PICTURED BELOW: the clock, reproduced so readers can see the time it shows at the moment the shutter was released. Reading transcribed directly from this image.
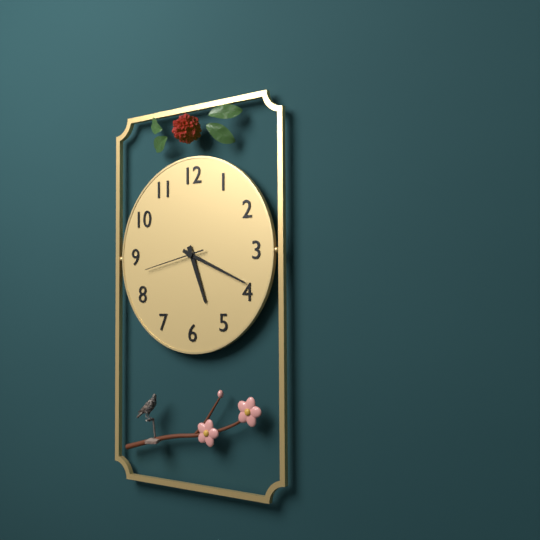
5:19:43
